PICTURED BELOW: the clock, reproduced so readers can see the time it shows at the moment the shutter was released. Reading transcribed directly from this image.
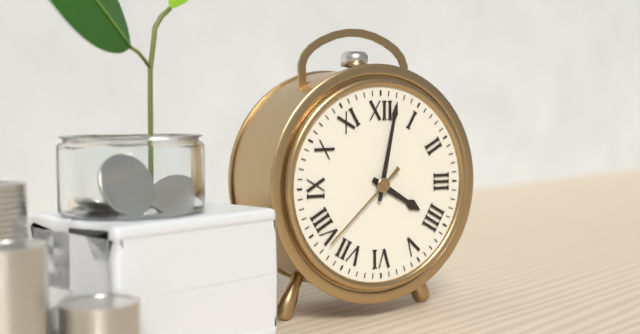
4:02:38
